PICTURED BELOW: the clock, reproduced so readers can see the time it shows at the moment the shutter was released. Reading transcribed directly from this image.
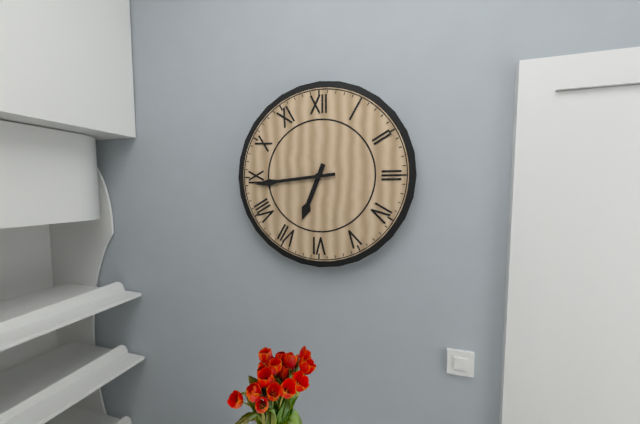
6:44
